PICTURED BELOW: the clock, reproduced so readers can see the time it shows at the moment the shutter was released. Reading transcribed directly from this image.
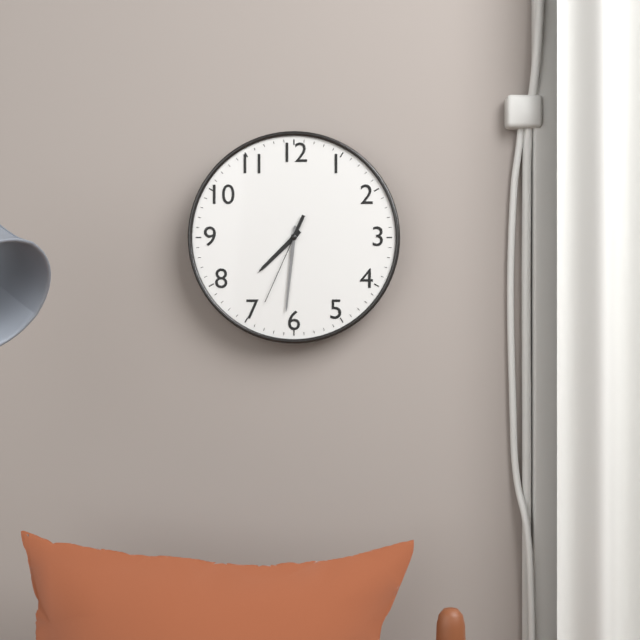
7:31:34
